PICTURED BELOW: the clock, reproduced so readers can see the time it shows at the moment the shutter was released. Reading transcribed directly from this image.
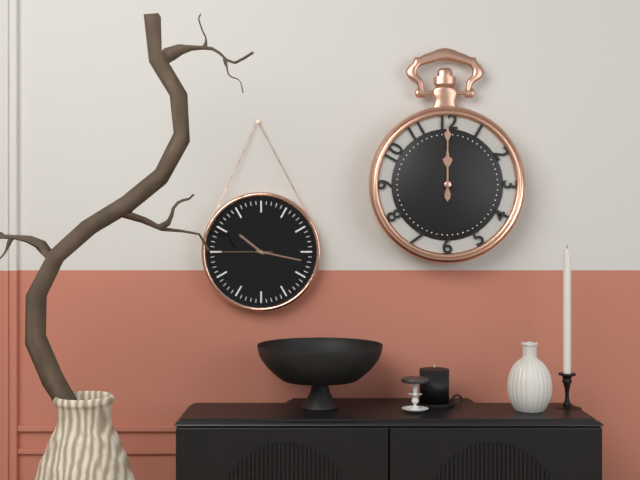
12:00
